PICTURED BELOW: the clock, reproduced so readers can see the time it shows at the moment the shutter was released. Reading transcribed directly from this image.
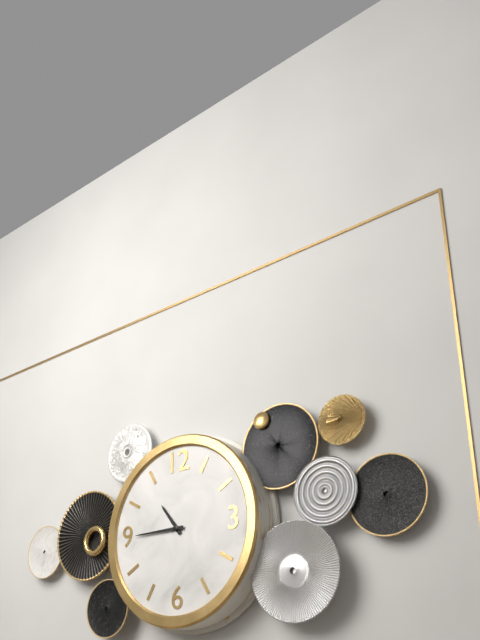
10:45
